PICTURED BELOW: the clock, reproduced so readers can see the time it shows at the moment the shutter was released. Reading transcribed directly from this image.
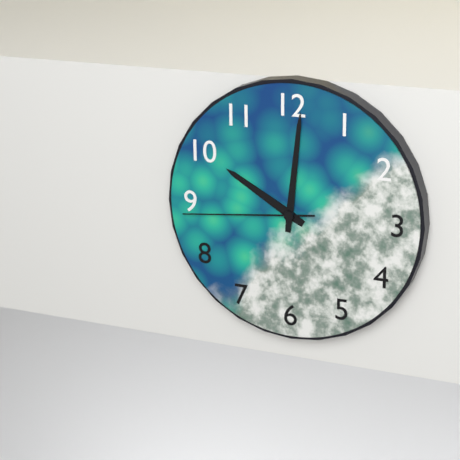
10:01:44
